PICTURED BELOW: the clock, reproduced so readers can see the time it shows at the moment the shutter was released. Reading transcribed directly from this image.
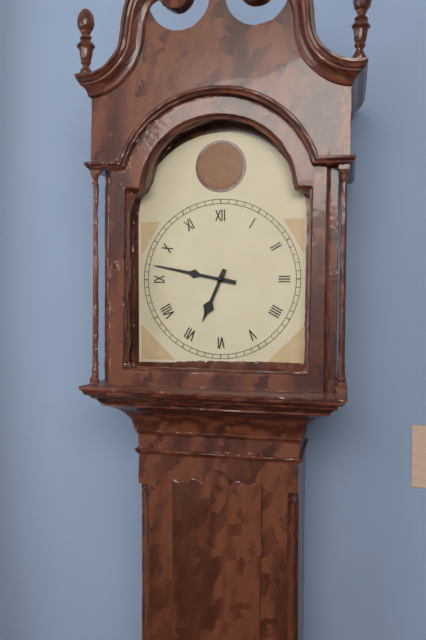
6:47
